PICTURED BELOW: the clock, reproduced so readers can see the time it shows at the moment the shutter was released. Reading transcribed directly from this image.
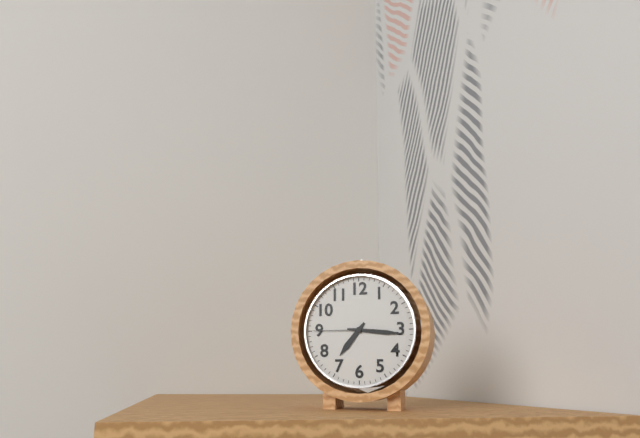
7:16:45
